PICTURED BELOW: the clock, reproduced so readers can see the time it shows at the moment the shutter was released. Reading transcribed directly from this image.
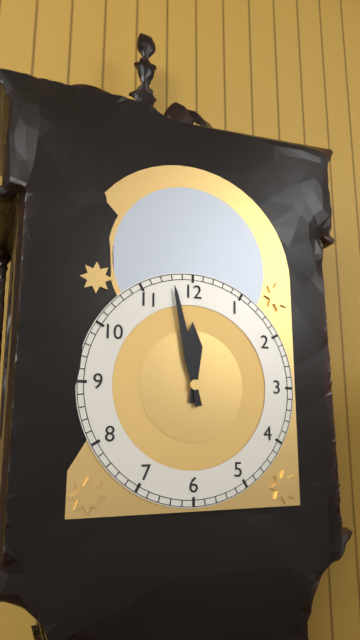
11:58
